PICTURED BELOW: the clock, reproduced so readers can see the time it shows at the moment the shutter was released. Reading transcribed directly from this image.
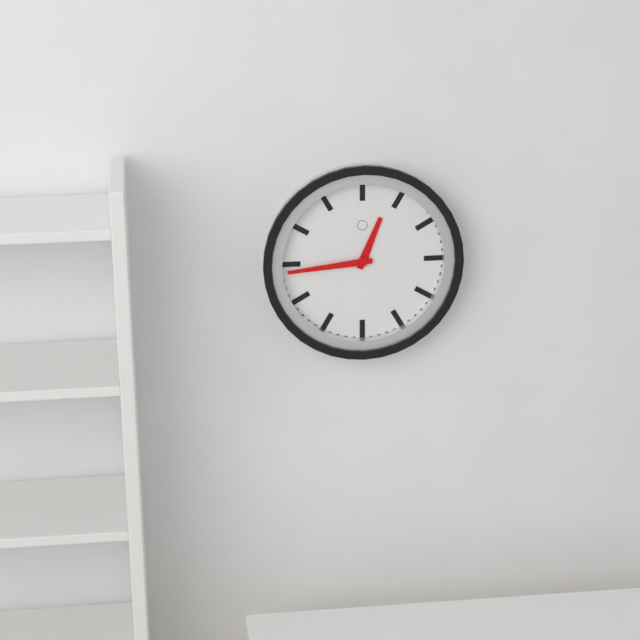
12:44
